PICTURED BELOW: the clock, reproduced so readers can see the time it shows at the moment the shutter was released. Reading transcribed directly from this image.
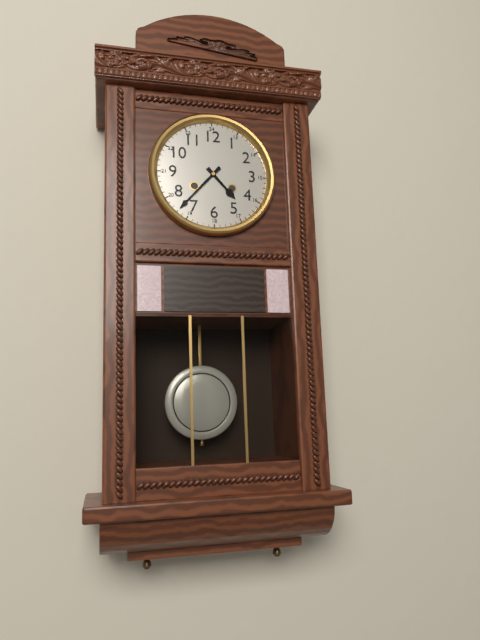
4:37
